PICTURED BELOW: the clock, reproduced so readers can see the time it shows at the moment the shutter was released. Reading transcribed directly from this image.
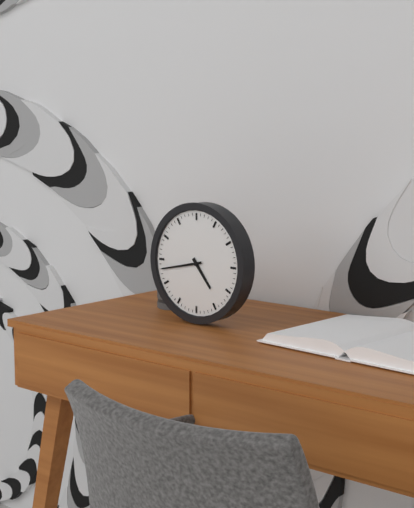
4:43
